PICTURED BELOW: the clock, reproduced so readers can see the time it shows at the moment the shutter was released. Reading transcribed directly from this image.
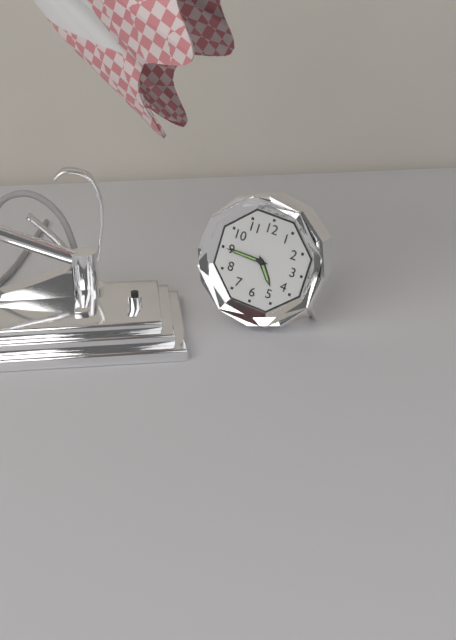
4:45
